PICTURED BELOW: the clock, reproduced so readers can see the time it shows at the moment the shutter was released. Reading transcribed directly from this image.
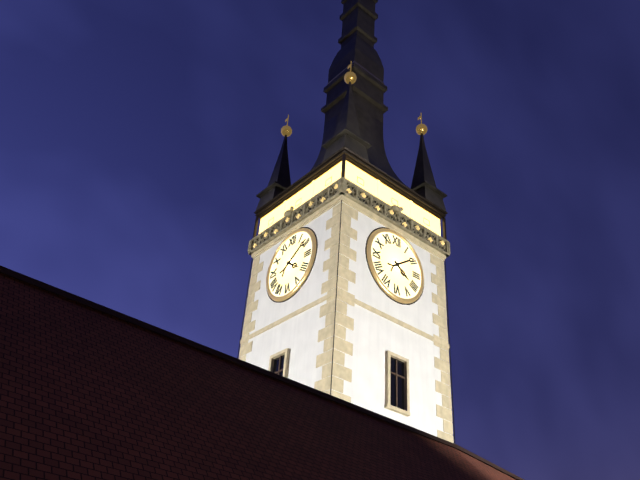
4:09
